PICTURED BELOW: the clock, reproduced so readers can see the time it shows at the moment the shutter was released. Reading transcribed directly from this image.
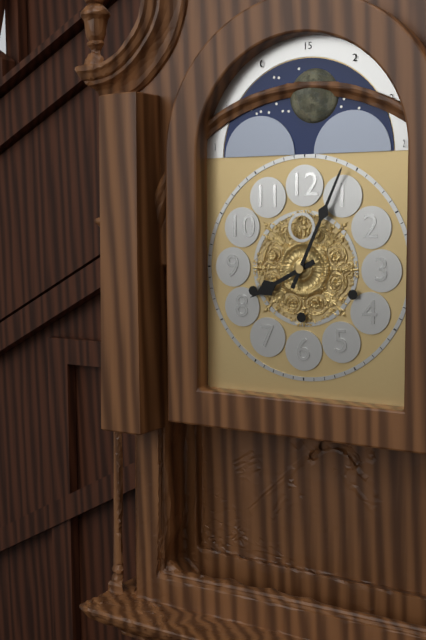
8:04
